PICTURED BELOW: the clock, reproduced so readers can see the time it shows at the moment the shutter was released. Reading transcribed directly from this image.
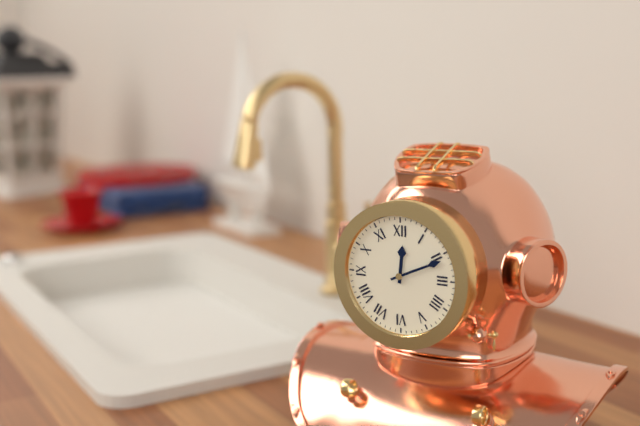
12:11
